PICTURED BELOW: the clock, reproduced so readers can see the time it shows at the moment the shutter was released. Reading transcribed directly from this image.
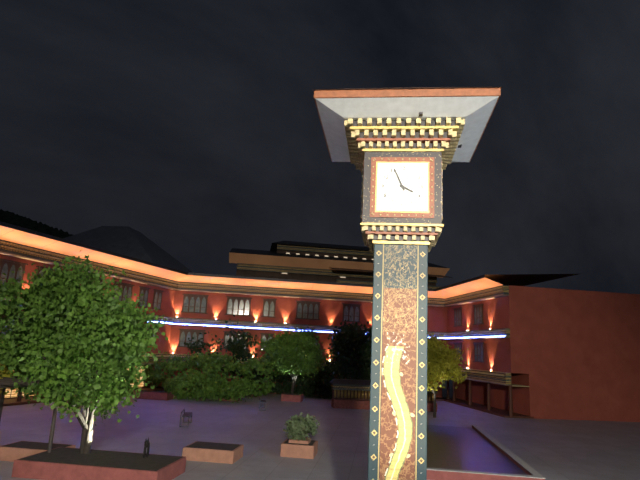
3:56
